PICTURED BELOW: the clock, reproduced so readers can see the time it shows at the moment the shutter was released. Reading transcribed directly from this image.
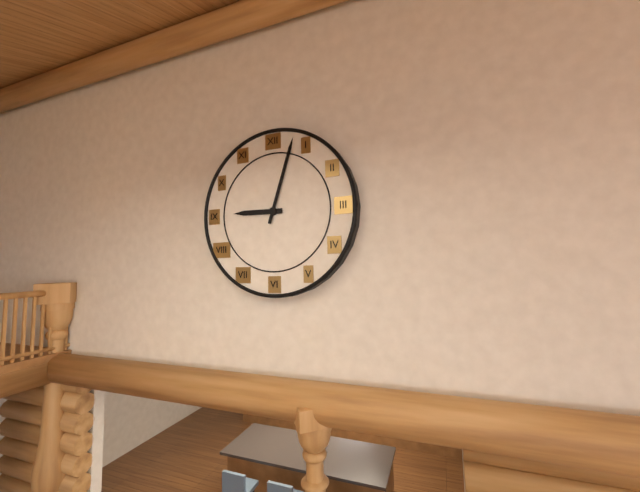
9:03
